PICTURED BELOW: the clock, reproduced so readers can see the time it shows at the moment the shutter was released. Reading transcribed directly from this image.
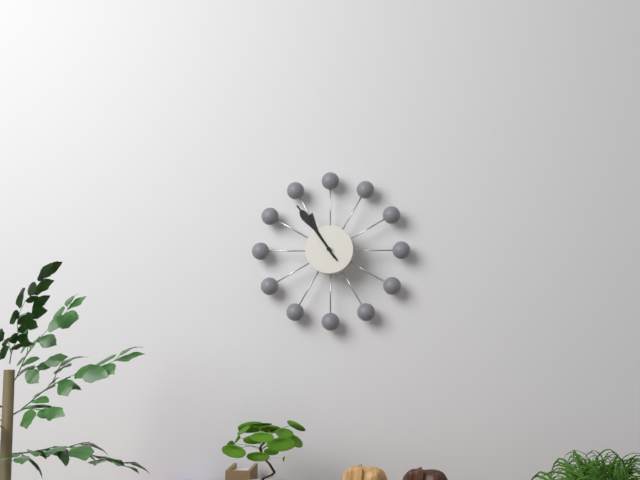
10:54
